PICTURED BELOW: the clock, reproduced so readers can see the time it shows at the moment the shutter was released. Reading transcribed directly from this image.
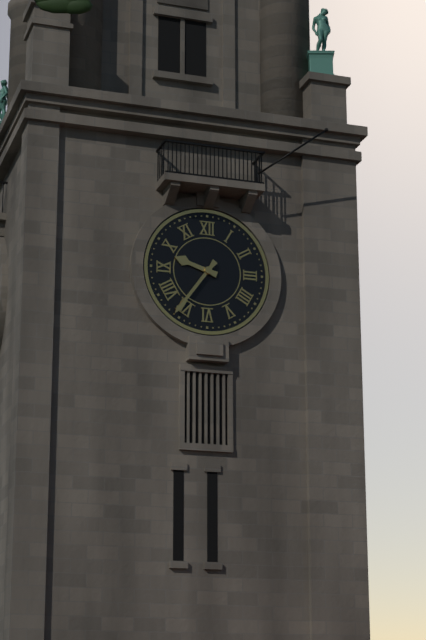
9:36
